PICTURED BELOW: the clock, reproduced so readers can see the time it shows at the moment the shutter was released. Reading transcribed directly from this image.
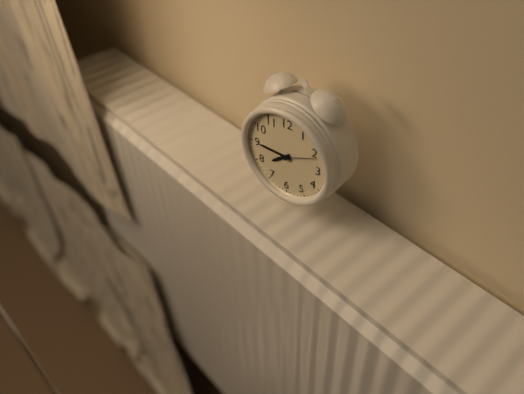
7:45
